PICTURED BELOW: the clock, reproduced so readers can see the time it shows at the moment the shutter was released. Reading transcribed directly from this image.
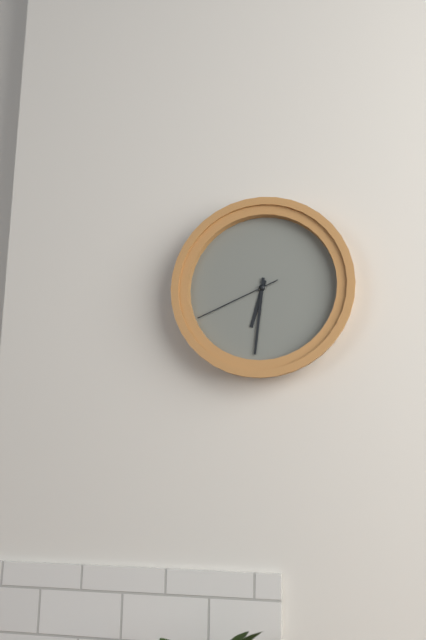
6:31:41
